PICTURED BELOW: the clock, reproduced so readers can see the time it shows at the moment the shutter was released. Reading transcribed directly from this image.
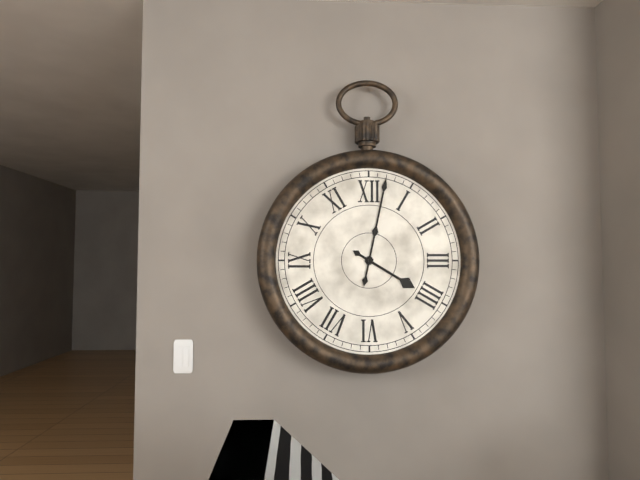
4:02
